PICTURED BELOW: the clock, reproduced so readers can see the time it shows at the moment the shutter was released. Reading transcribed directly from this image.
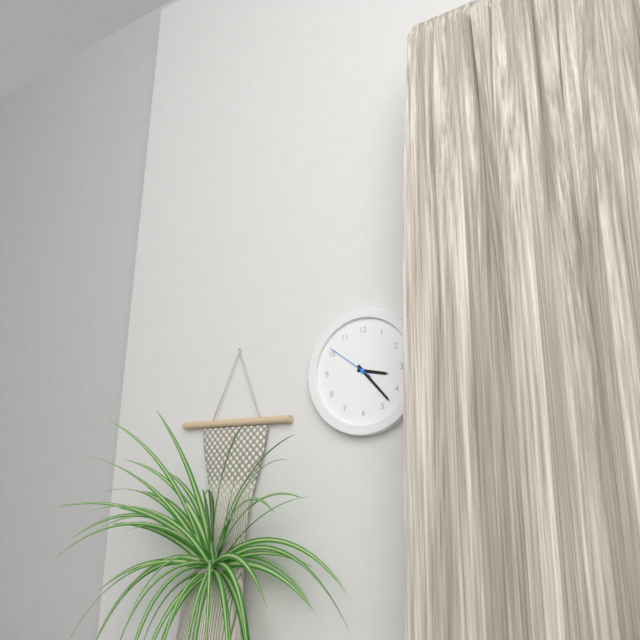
3:23
